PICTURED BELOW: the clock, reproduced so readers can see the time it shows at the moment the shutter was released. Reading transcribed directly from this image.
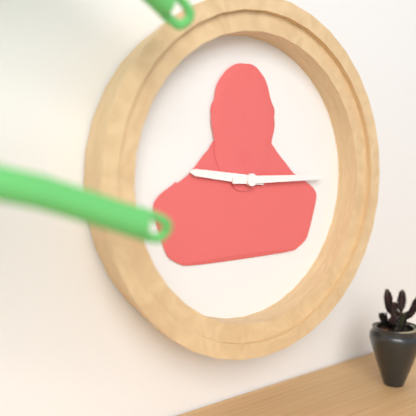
9:15
